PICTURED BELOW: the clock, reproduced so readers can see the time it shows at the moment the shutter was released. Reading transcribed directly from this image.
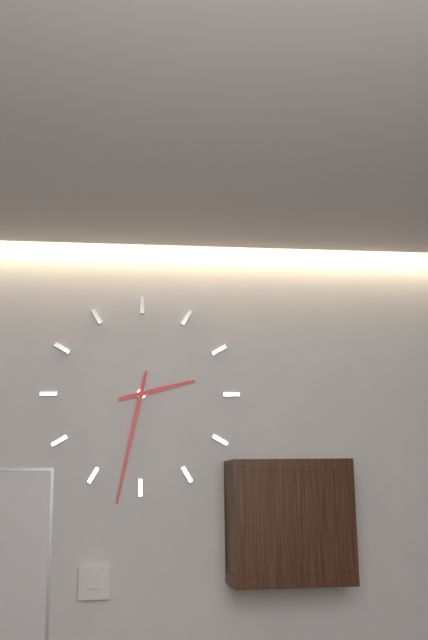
2:32
